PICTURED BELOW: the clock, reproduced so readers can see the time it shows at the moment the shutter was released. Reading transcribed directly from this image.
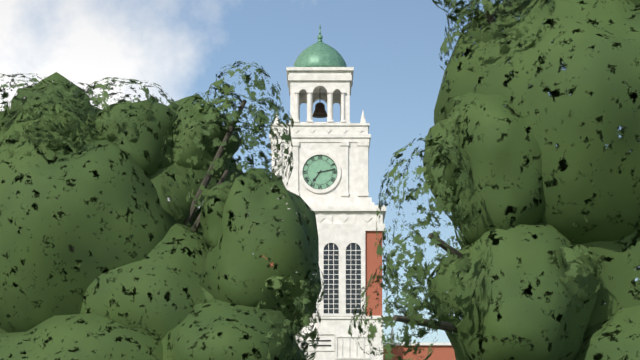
7:13
